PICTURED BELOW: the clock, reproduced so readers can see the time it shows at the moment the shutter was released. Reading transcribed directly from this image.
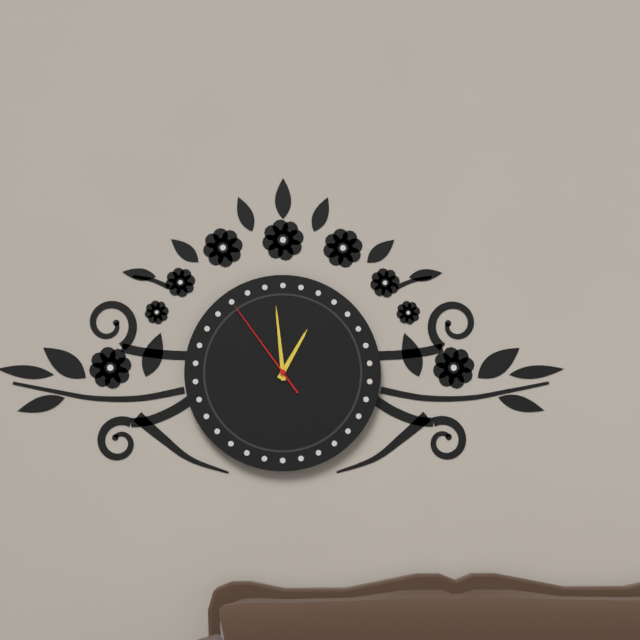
12:59:54
